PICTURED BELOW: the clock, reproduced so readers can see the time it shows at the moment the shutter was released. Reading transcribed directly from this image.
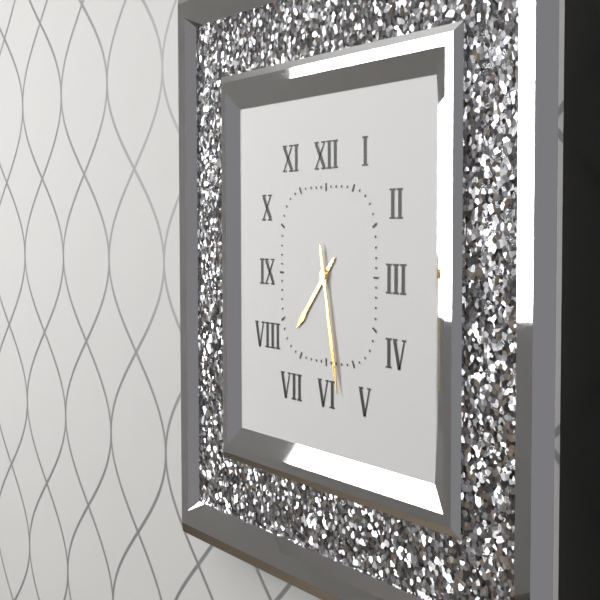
7:28
